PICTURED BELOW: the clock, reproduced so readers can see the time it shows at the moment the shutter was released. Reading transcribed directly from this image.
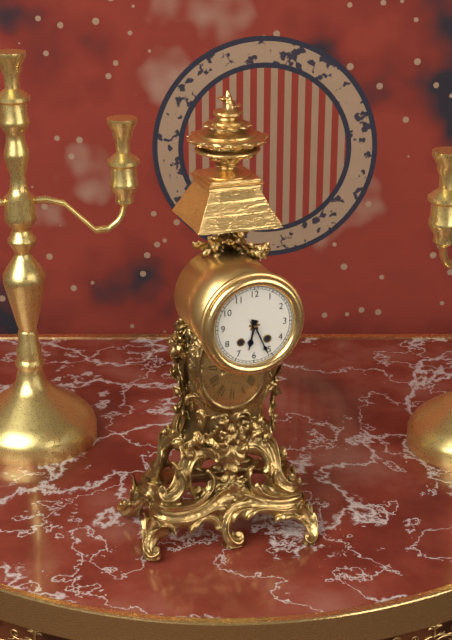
6:26
